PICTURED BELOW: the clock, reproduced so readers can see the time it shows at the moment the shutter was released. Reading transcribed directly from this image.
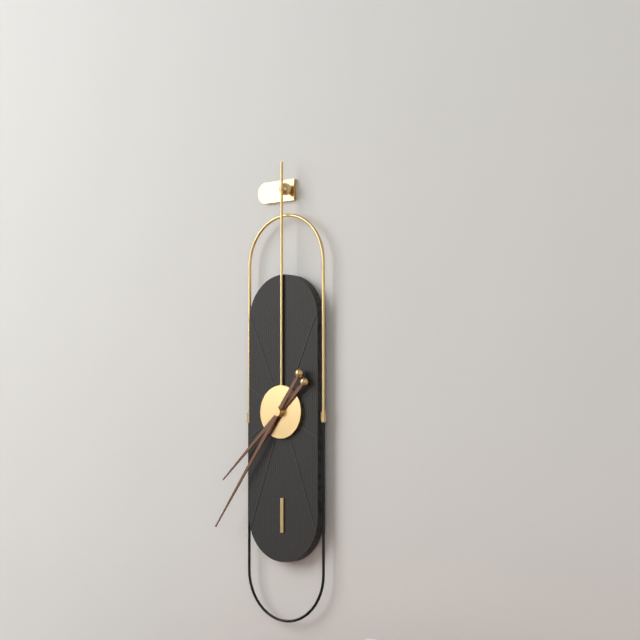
7:36
